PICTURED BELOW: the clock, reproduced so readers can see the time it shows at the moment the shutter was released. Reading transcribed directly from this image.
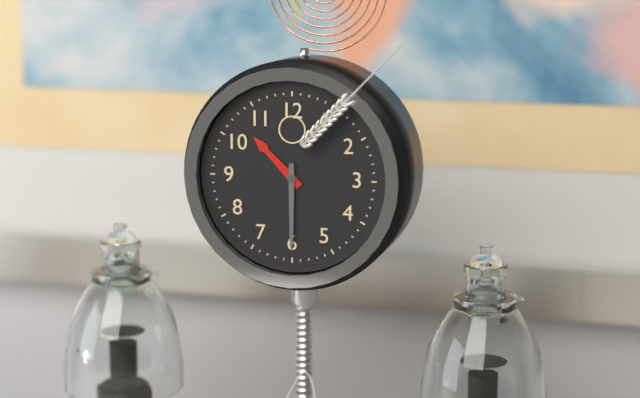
10:30
